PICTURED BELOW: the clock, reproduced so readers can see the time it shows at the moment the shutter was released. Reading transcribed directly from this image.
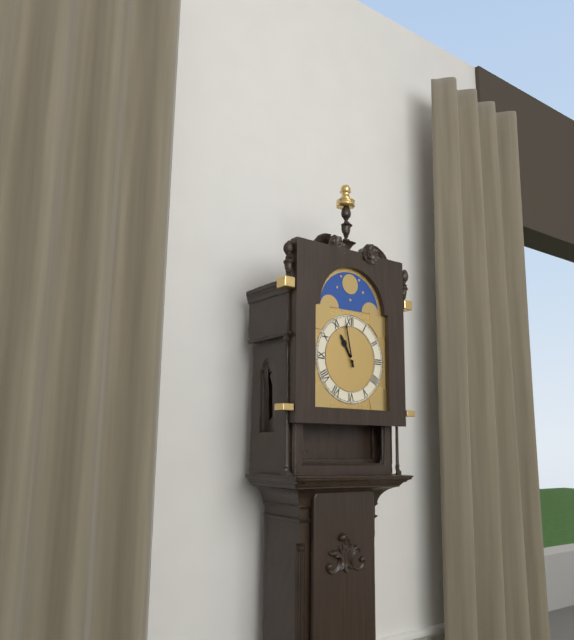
10:58
